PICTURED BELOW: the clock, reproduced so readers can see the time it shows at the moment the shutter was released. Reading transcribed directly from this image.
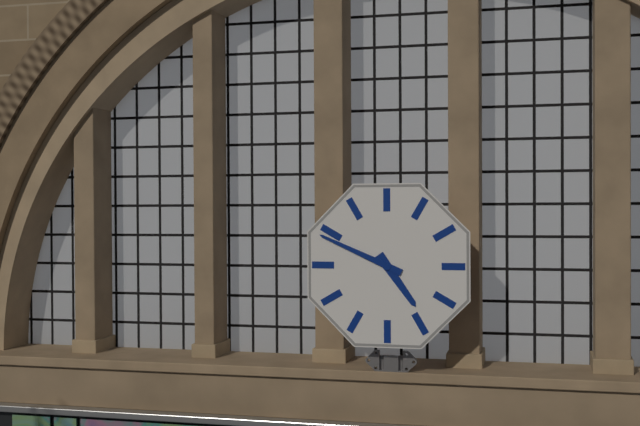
4:49
